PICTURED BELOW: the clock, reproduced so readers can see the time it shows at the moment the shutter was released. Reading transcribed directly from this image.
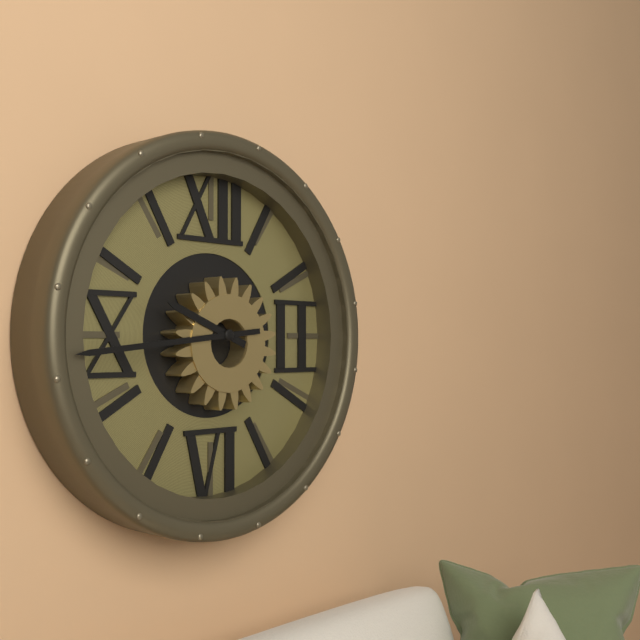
9:44
